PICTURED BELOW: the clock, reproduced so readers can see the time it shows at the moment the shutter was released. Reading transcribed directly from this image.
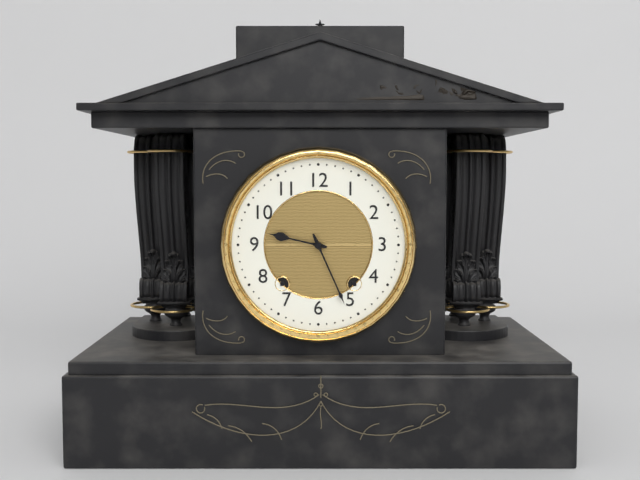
9:26
